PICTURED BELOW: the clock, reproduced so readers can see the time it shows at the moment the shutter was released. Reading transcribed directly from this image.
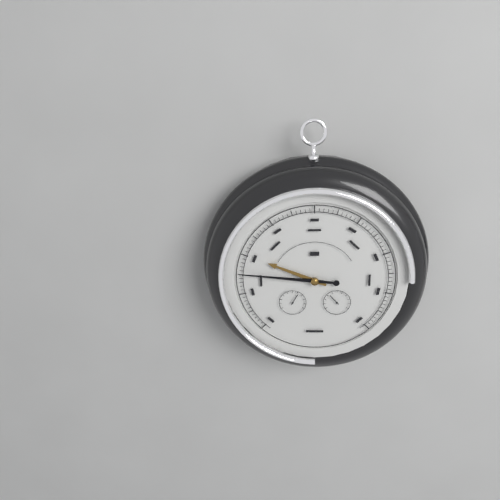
9:46
